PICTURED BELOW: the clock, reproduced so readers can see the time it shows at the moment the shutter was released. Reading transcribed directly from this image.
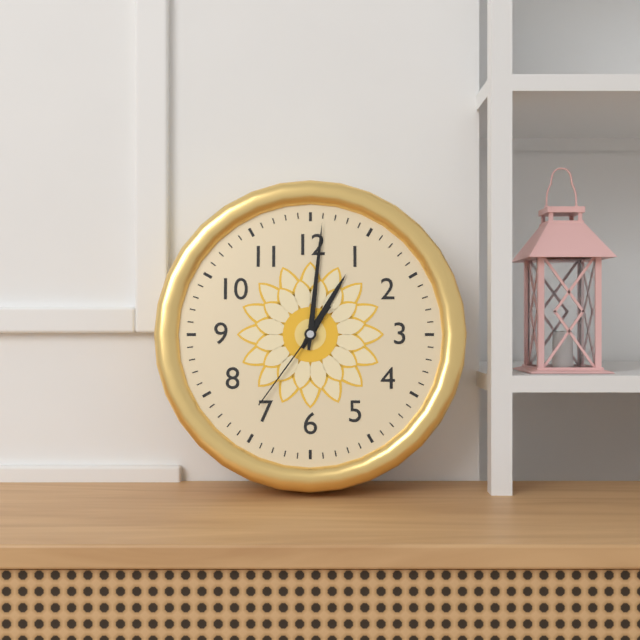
1:01:36
